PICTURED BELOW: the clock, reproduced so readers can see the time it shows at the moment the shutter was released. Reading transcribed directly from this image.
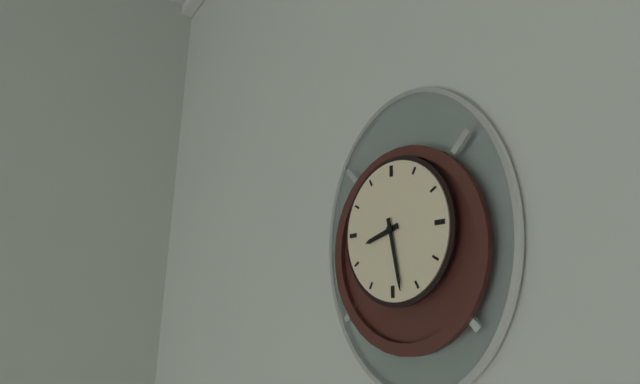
8:28
